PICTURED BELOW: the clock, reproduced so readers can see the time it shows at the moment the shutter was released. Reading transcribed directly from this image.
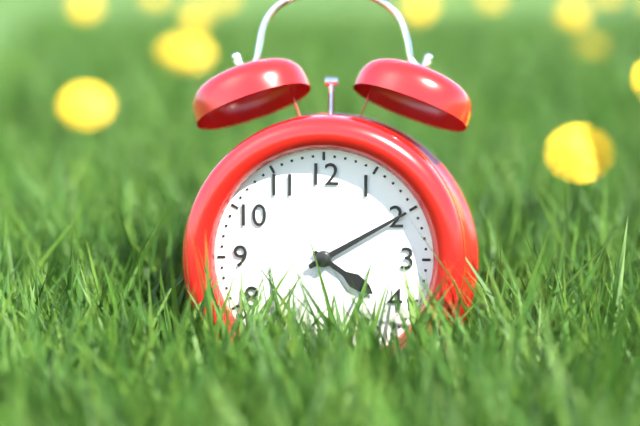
4:10
